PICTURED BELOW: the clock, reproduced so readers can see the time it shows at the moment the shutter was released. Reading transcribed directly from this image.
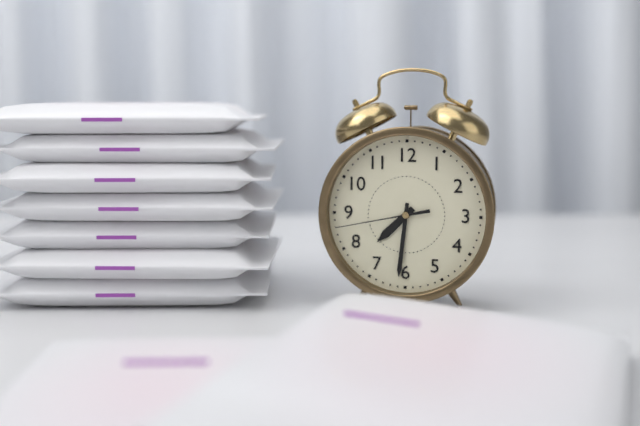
7:31:43
